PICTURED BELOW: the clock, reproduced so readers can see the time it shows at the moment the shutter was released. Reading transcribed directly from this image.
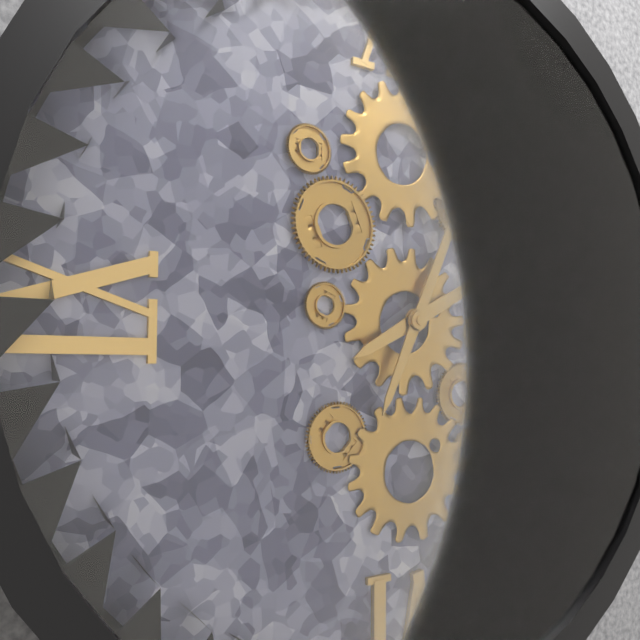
2:04
